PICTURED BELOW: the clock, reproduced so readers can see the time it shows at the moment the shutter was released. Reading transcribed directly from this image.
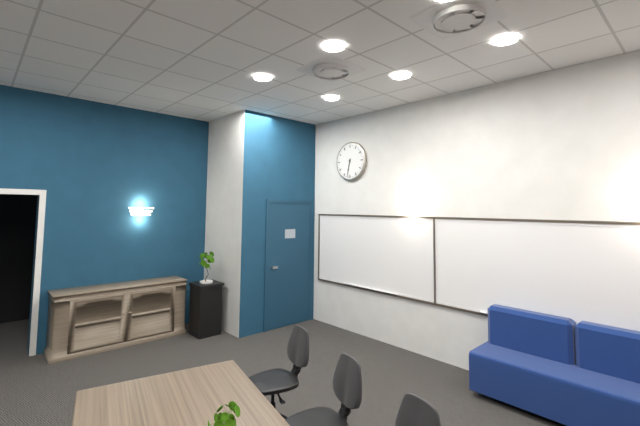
6:32
